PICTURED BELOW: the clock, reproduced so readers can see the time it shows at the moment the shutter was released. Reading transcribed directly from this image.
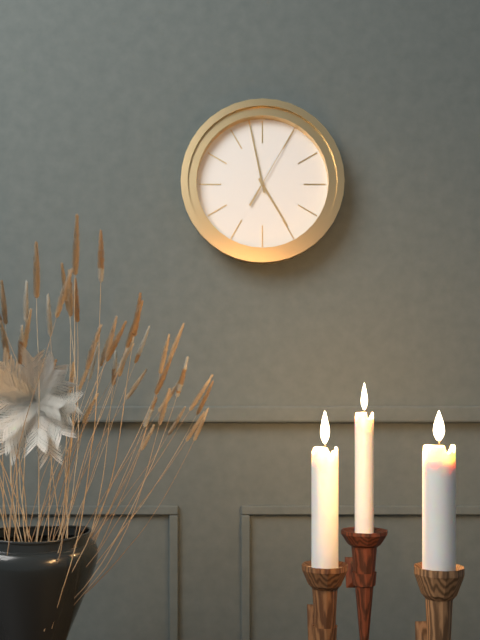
4:58:05
